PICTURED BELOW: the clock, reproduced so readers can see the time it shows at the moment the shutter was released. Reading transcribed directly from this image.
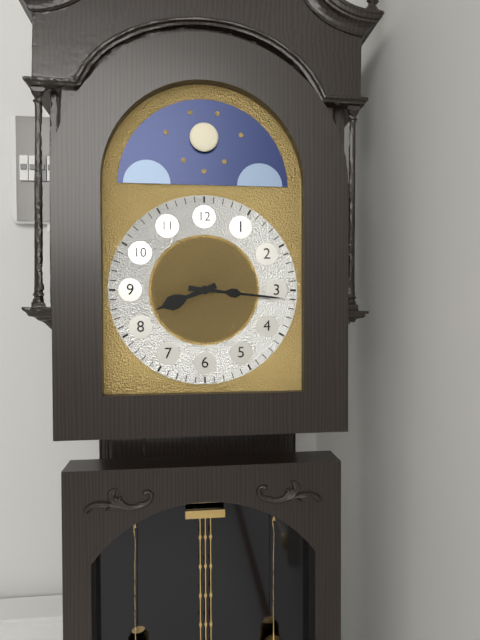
8:16
